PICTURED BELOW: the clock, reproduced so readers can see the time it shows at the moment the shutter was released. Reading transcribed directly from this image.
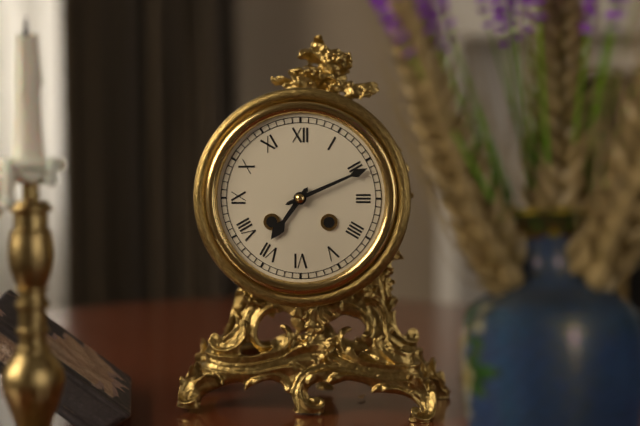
7:11
